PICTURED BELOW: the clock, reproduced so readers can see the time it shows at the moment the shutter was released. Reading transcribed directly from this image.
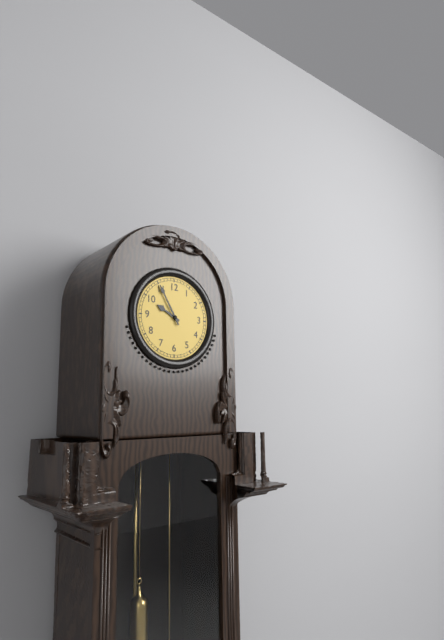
9:55
